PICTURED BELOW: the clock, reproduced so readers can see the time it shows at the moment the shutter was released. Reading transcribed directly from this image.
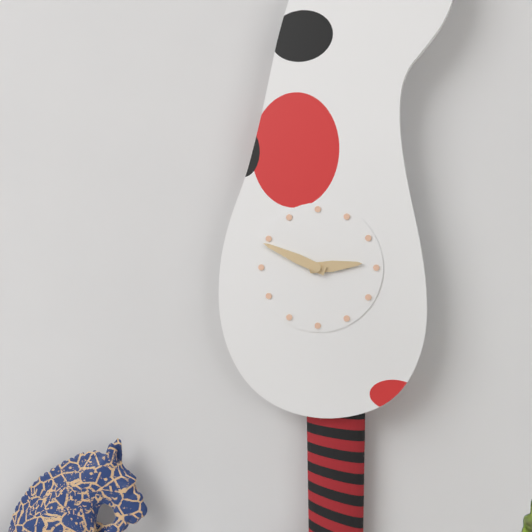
2:49
